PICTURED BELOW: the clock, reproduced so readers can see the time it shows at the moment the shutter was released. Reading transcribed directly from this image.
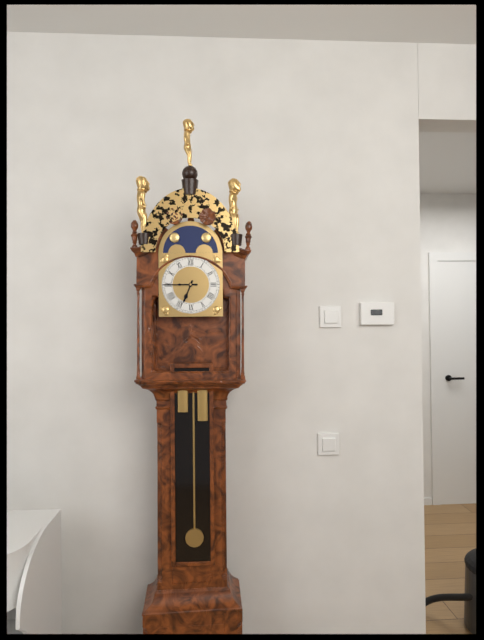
6:45
